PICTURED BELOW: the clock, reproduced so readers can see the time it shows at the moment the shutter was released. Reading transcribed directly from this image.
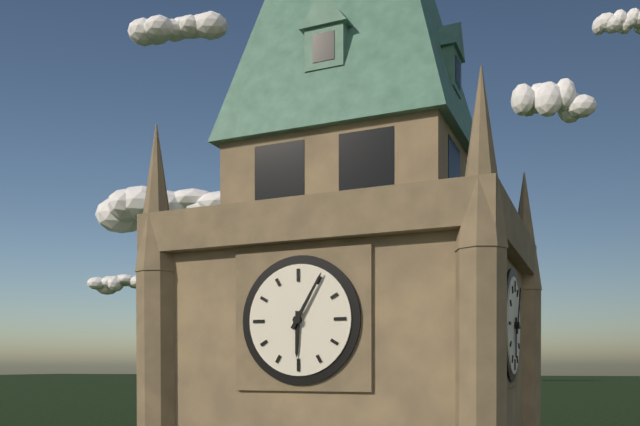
6:05
